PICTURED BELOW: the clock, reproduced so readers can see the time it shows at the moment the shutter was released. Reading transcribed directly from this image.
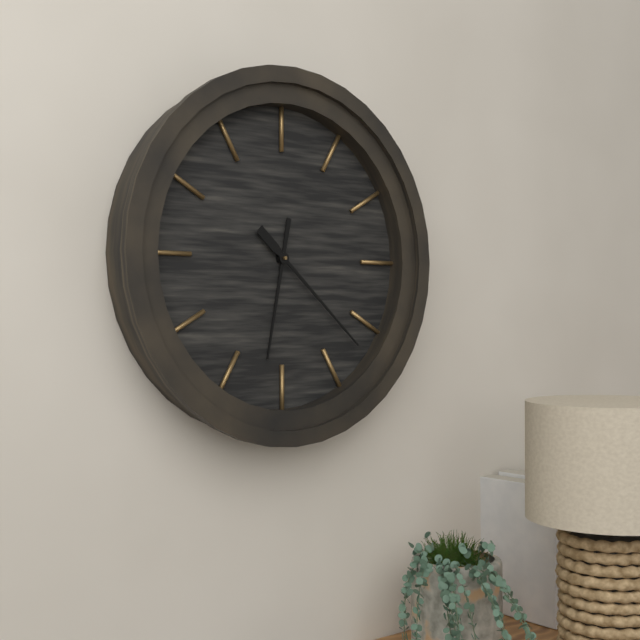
6:22
